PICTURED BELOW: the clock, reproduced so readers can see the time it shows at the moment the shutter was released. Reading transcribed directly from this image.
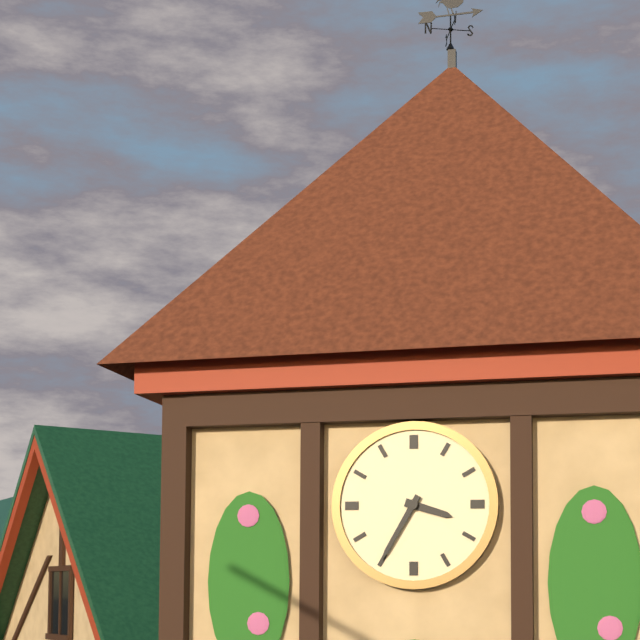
3:35
